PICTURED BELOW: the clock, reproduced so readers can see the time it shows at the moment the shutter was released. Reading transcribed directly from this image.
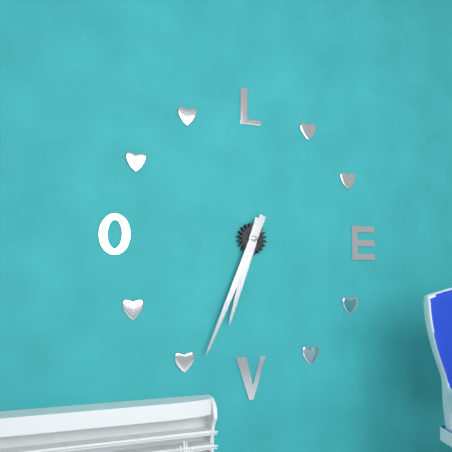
6:34
